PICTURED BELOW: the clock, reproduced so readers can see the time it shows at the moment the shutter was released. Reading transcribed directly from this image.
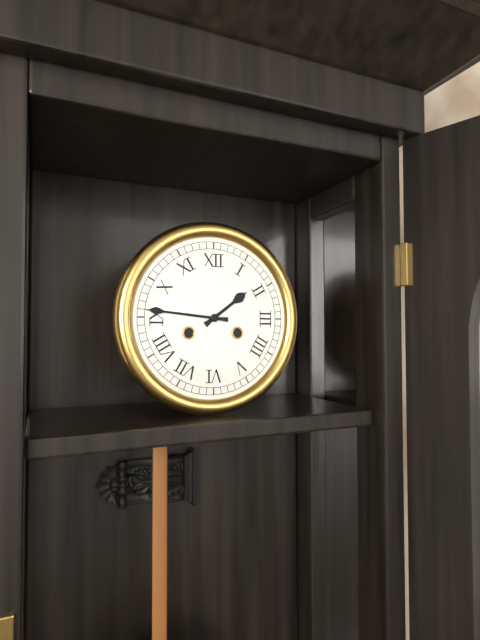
1:46
